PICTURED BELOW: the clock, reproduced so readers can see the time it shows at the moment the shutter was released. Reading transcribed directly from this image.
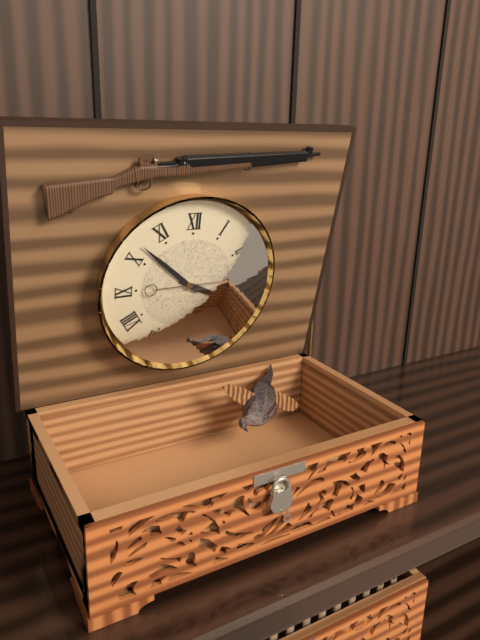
3:52:15
